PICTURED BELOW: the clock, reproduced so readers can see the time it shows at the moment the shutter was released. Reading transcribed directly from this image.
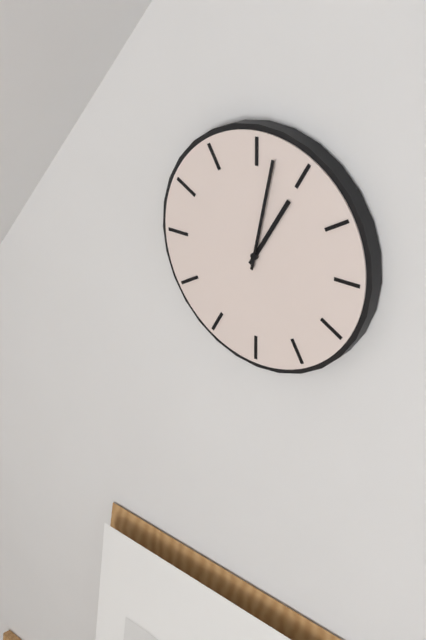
1:02
